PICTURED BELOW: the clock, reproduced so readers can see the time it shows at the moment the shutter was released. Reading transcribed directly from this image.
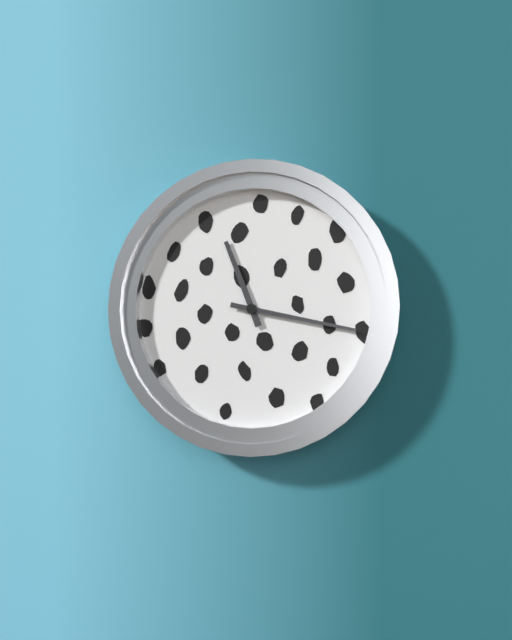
11:17
